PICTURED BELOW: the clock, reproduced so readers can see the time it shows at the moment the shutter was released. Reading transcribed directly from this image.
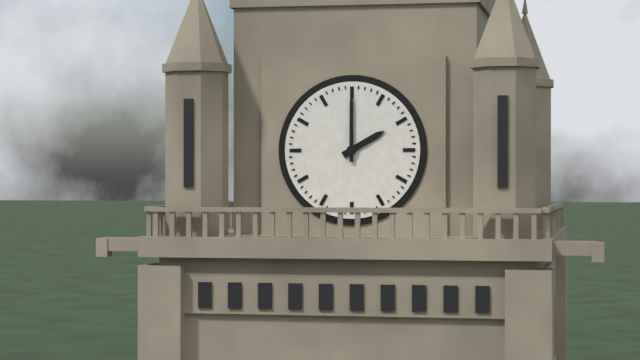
2:00
